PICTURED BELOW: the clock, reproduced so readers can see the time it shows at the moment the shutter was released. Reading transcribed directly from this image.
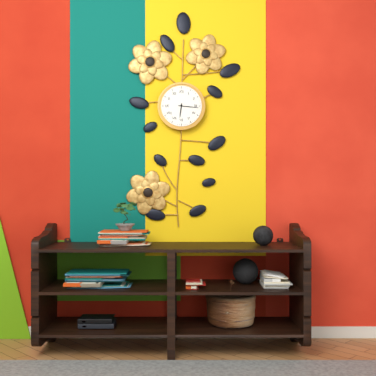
6:16
